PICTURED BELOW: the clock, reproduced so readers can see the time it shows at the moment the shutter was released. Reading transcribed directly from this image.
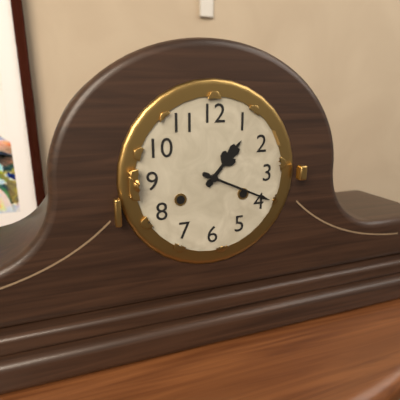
1:19
